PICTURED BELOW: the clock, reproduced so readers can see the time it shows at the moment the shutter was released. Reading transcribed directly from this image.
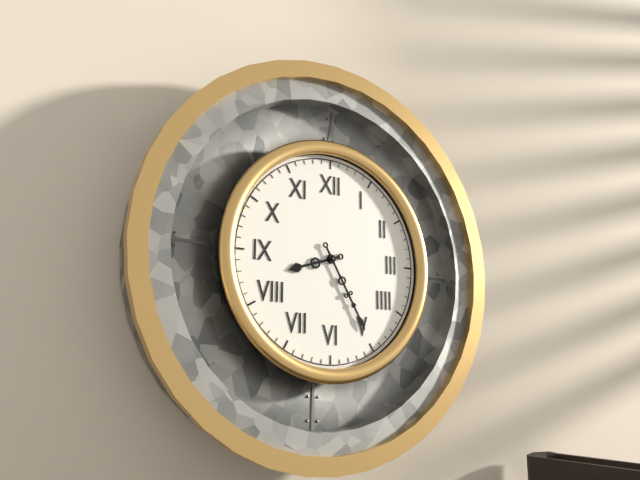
8:25
